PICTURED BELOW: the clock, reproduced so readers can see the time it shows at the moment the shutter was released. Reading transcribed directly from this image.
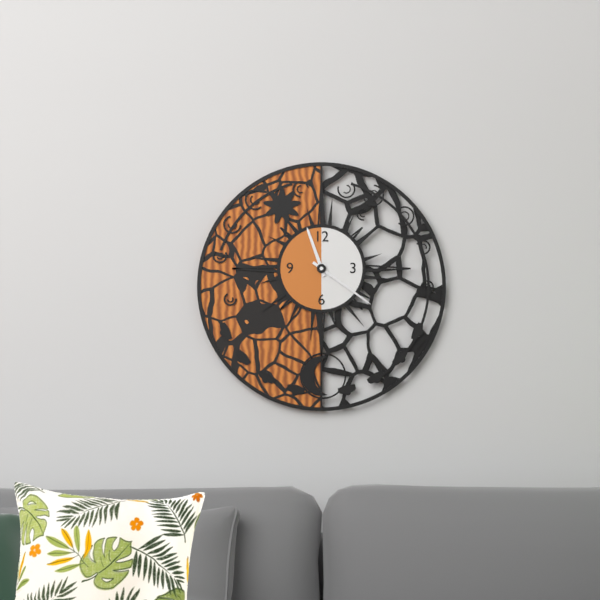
11:21
